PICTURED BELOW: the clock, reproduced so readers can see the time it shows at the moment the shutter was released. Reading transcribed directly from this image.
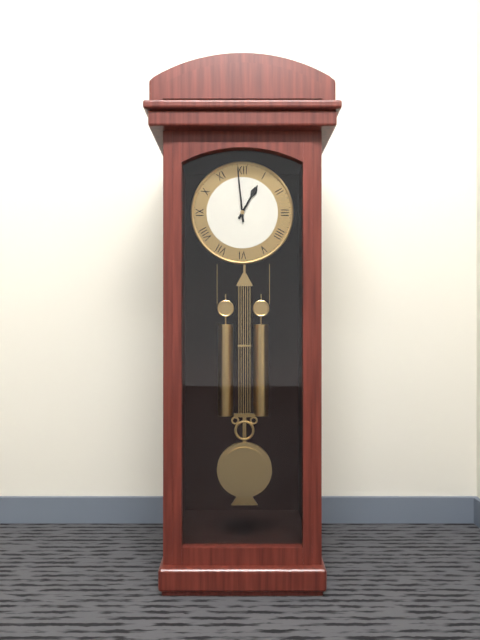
12:59
